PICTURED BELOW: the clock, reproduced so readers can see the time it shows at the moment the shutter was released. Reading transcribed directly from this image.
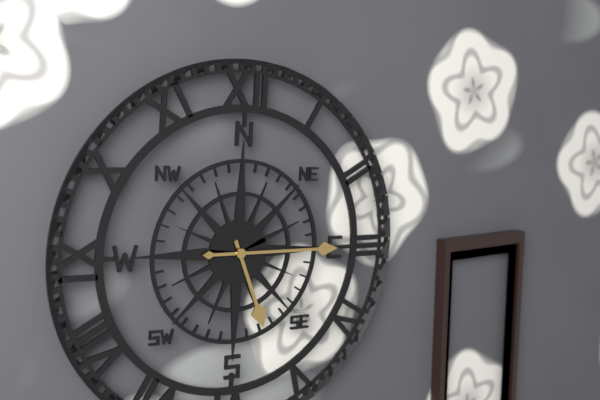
5:15
